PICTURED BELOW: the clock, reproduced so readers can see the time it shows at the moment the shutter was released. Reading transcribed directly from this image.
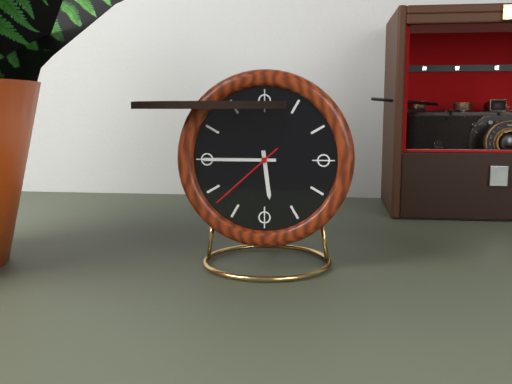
5:45:38
